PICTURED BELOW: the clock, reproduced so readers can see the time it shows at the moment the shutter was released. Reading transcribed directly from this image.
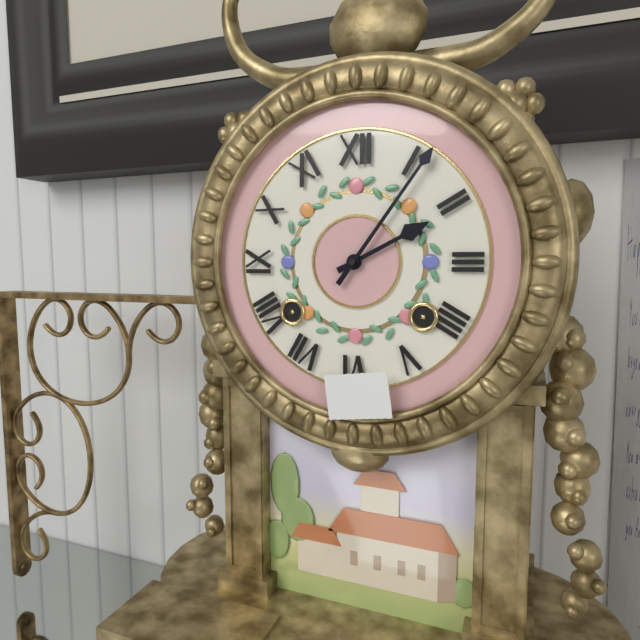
2:06
